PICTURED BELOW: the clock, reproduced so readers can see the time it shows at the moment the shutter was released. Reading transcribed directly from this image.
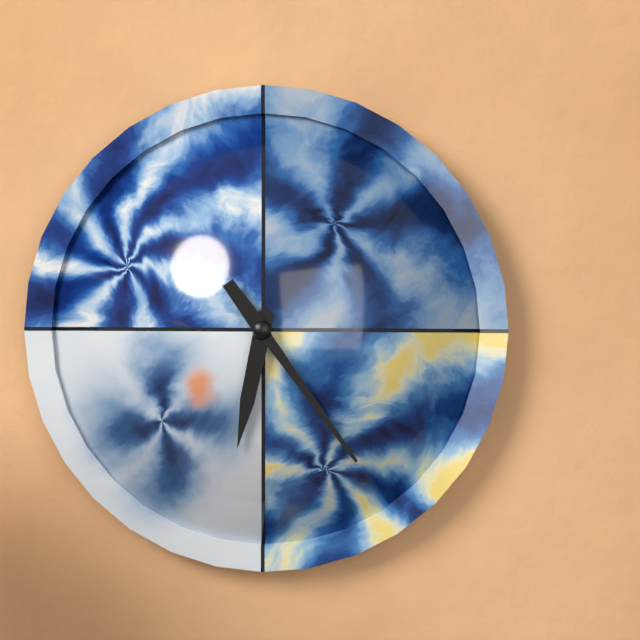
6:24
